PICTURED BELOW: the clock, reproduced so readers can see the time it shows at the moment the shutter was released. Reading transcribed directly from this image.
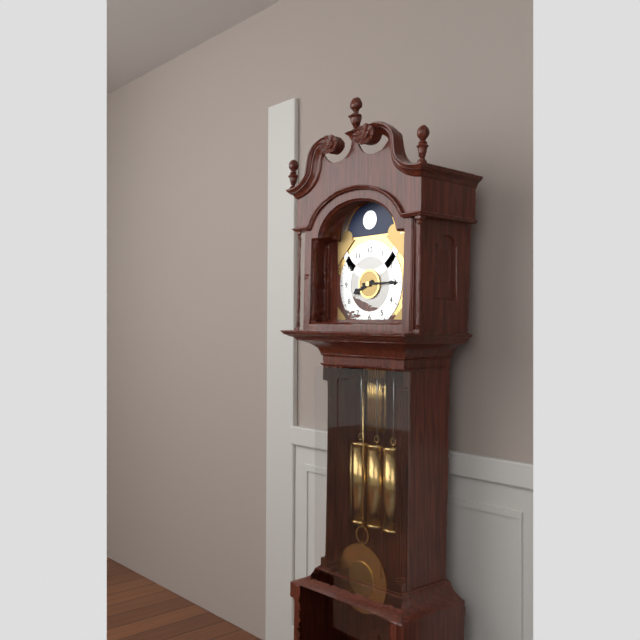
8:15
